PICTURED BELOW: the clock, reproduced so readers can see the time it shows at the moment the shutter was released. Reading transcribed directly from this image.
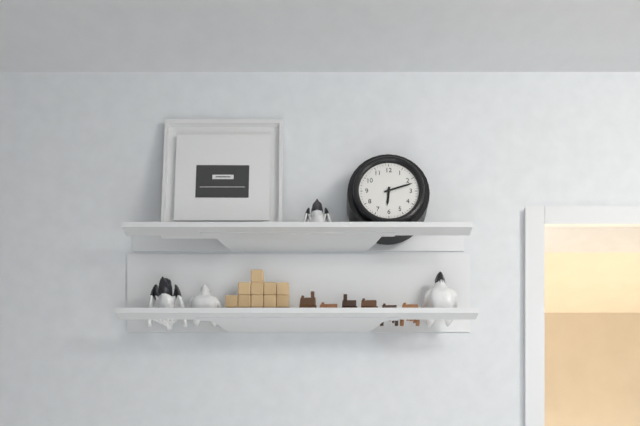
6:12
